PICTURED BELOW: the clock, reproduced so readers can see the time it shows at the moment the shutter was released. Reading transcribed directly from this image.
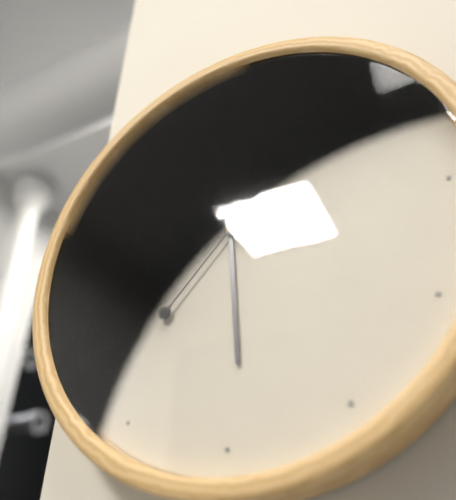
5:52:07
